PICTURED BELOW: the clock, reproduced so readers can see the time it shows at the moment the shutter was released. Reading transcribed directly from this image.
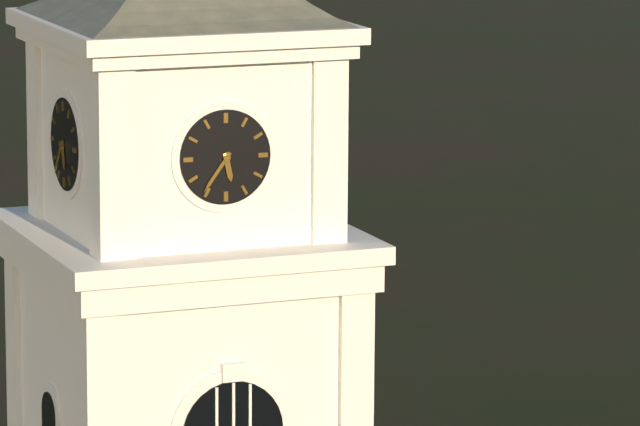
5:36
